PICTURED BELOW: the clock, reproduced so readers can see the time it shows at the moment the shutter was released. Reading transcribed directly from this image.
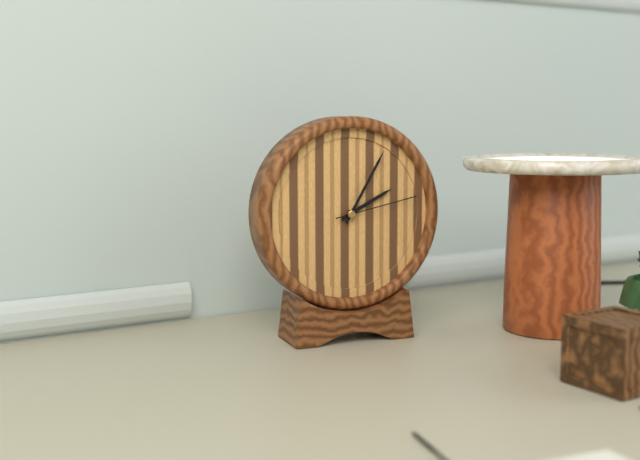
2:05:13
